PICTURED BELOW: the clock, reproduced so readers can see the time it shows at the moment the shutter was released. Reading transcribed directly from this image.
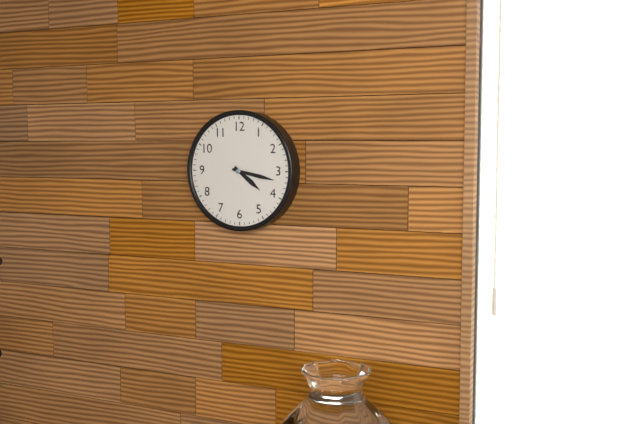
4:17
